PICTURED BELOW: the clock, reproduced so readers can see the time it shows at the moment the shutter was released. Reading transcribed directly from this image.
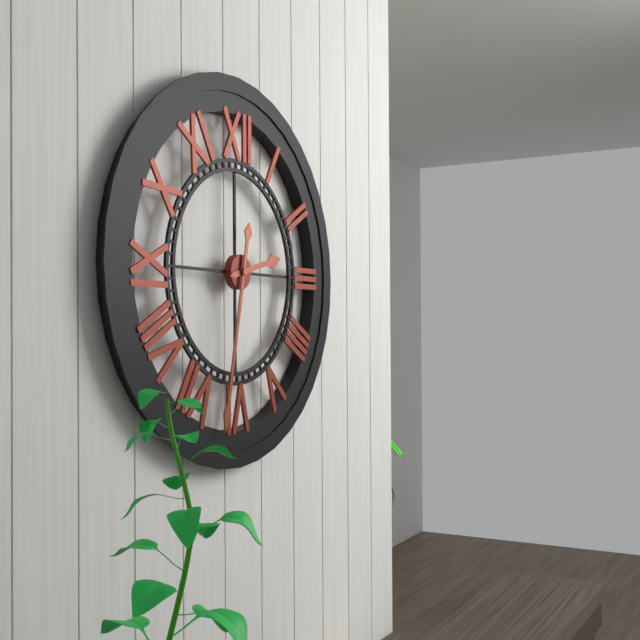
2:32
